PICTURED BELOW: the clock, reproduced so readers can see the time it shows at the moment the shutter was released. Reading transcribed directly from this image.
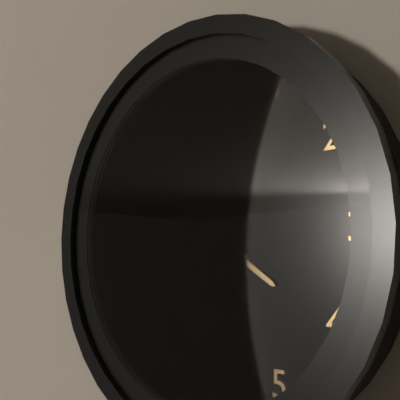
4:05
